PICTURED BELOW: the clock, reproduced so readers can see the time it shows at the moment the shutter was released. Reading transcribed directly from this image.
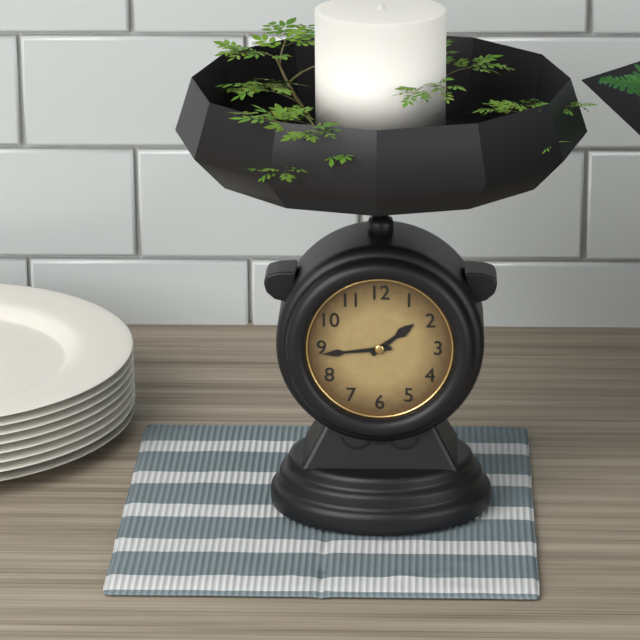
1:44
